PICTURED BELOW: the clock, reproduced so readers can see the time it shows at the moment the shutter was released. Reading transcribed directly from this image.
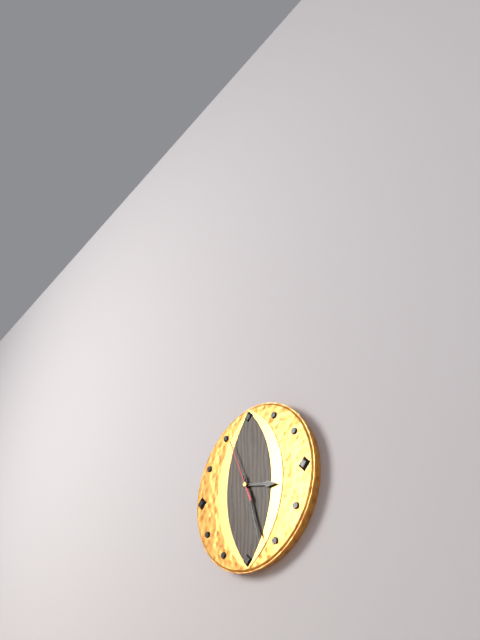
3:27:56
